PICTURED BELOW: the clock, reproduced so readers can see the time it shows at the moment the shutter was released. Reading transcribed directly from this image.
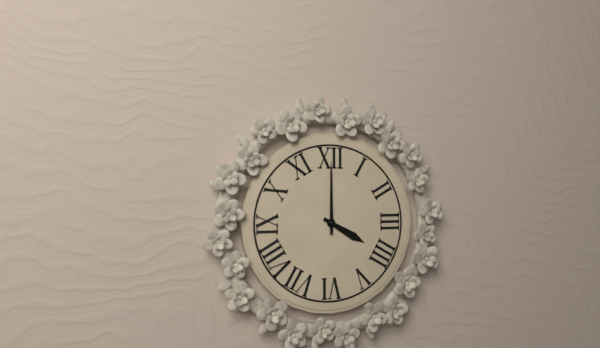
4:00
